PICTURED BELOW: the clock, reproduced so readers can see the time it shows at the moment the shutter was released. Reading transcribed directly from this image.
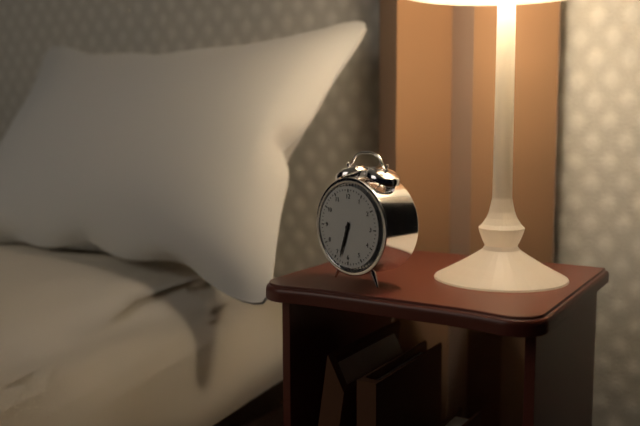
6:33
